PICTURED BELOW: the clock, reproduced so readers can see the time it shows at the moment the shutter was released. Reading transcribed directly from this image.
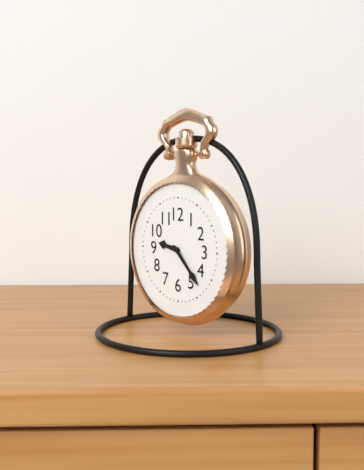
9:23
